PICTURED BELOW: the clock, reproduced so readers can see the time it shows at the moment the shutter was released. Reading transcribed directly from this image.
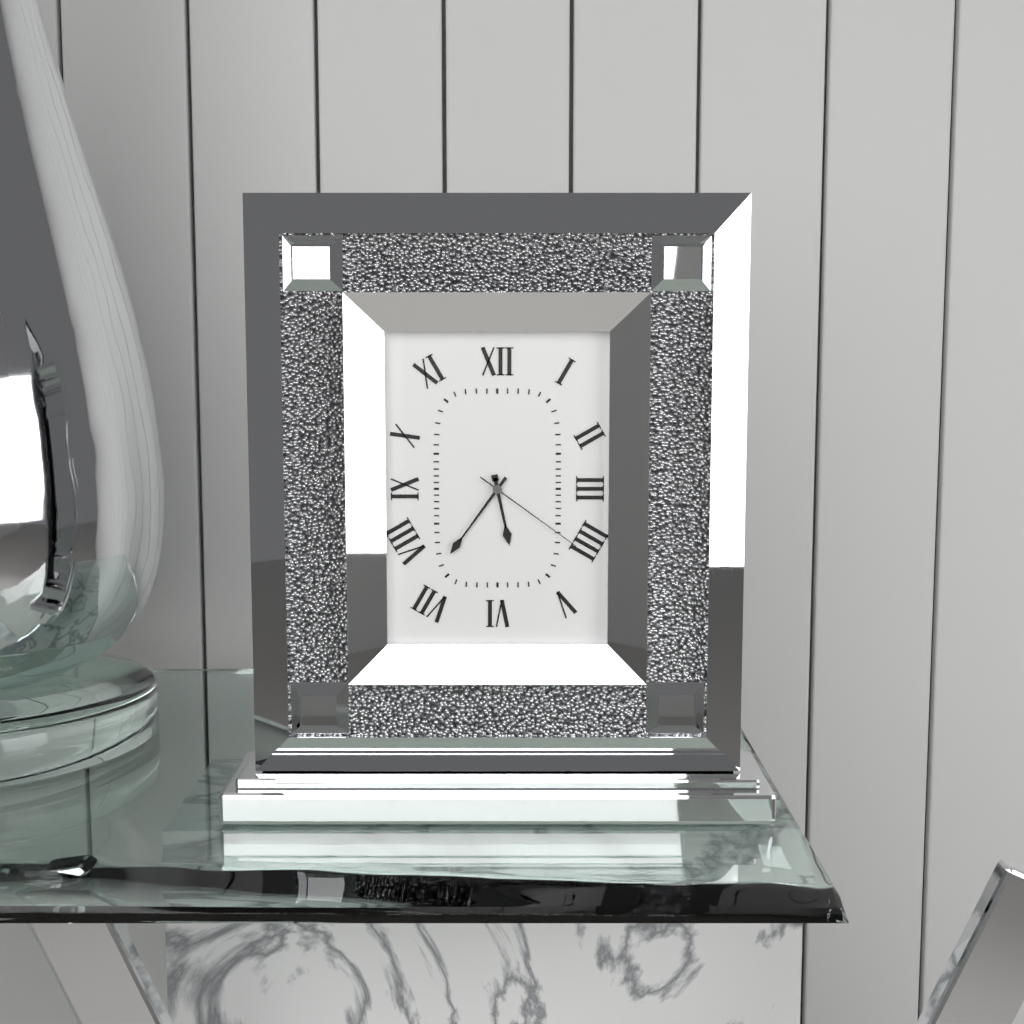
5:36:21
